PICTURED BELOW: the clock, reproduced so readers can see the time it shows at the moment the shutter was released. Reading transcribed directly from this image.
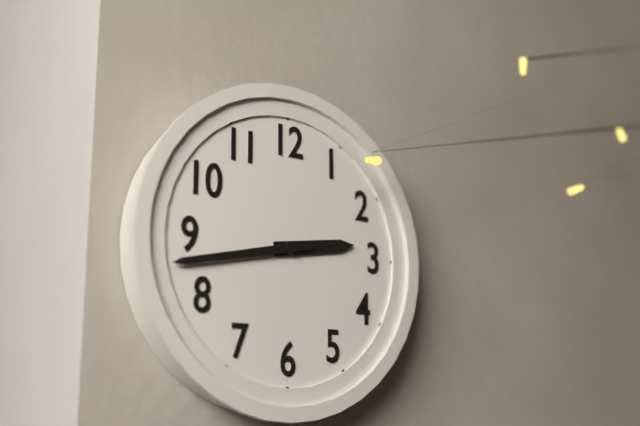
2:43
